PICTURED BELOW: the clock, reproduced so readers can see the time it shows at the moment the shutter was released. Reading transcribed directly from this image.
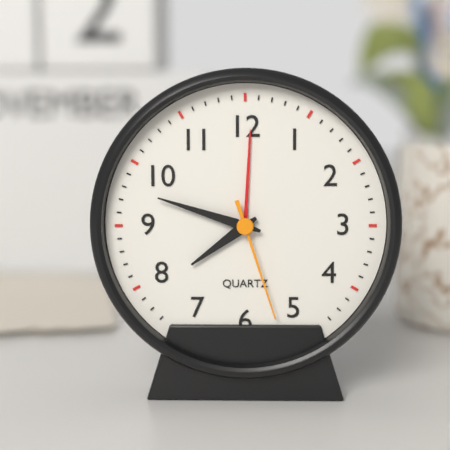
7:48:27
